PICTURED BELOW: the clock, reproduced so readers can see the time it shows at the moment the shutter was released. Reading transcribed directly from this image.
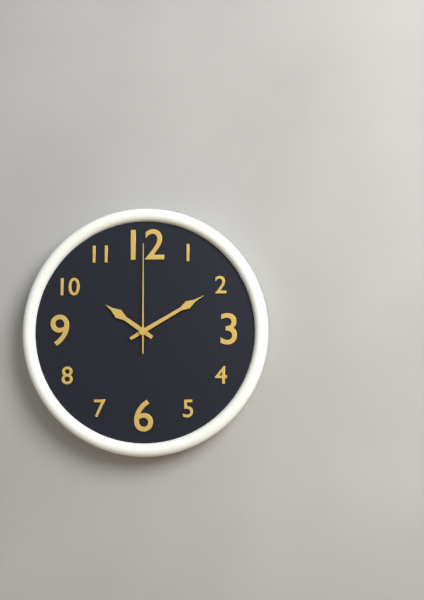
10:10:00
